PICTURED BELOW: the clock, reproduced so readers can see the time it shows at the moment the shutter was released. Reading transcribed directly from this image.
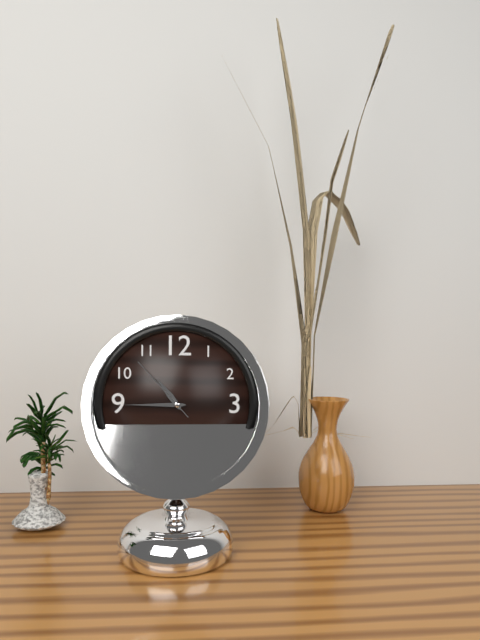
10:45:53
